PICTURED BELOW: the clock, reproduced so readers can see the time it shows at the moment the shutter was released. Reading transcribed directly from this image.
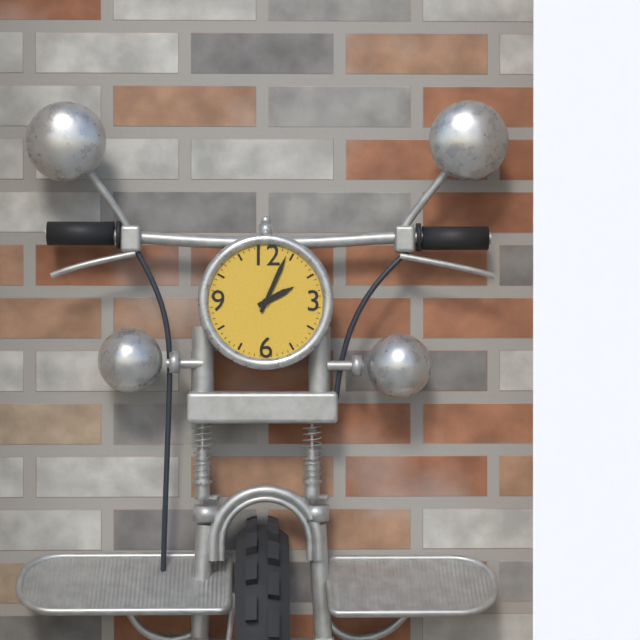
2:04
